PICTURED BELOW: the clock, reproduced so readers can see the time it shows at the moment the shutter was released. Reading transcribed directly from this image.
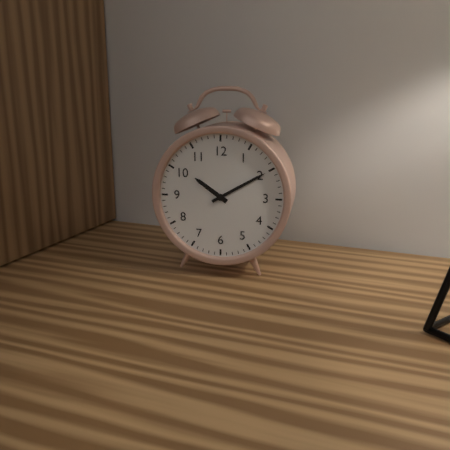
10:10
